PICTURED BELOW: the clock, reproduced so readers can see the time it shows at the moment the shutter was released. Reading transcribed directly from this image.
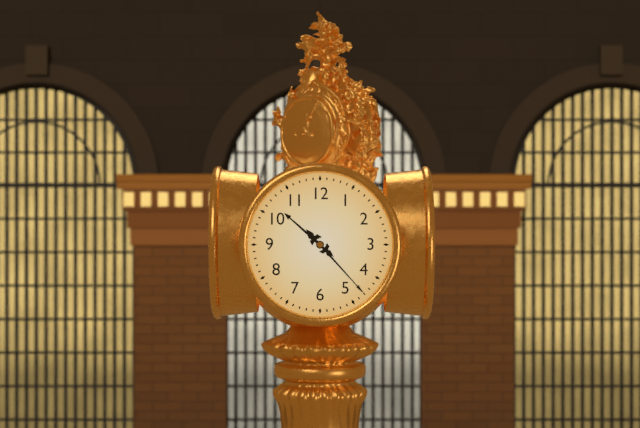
10:23
